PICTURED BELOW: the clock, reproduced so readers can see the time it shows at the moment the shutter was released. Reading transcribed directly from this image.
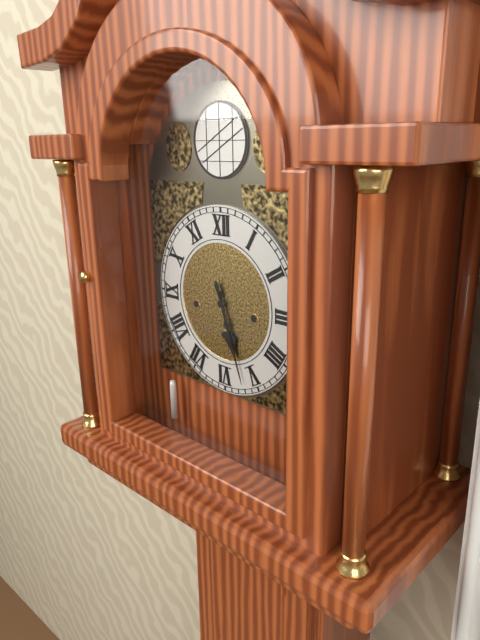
5:27
